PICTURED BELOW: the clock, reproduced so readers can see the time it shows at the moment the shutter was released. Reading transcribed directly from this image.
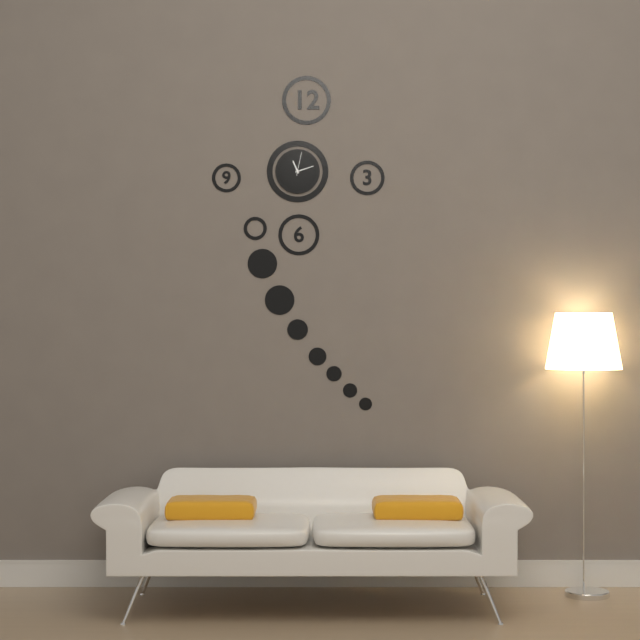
11:12
